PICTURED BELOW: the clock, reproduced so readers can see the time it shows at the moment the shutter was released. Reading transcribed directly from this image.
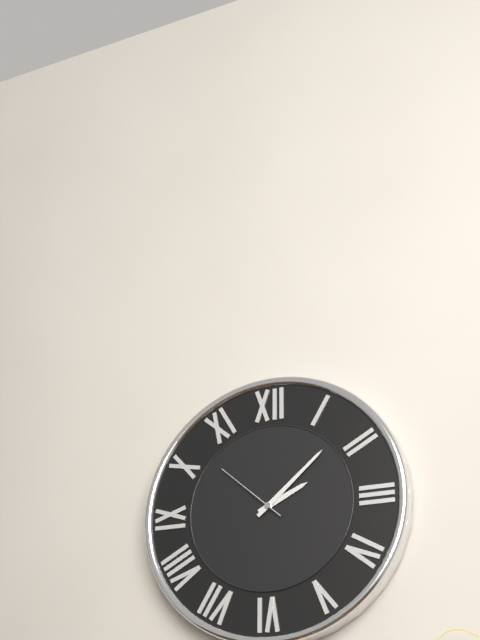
2:08:52
